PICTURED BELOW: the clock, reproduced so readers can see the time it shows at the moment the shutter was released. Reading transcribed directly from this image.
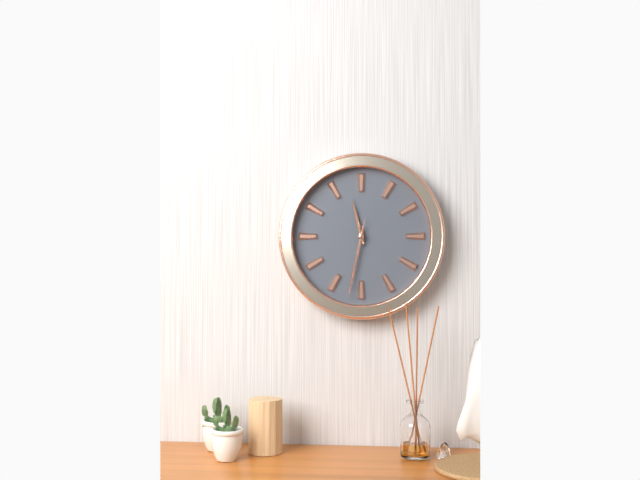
11:32:32
